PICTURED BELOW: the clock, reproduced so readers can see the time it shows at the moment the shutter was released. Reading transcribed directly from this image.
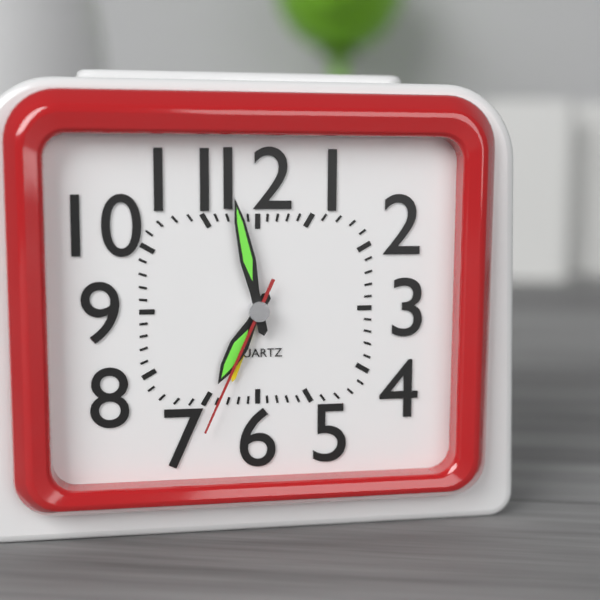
6:58:34
